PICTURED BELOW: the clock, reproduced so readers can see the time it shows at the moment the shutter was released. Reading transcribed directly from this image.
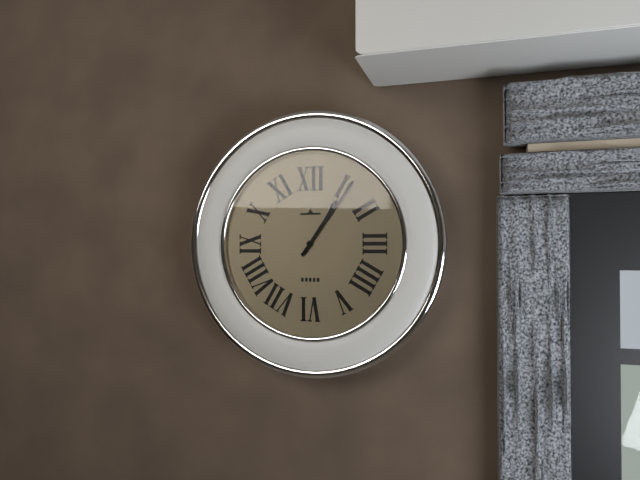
1:06
